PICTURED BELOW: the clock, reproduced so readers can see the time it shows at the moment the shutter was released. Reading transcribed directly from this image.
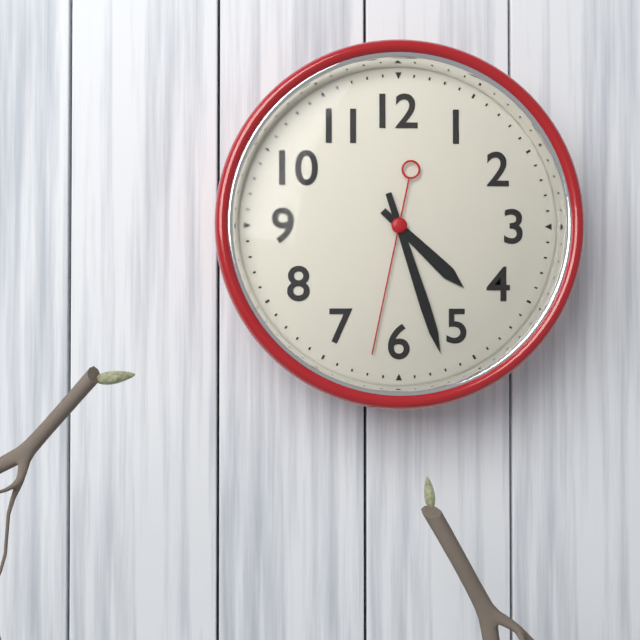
4:27:32
